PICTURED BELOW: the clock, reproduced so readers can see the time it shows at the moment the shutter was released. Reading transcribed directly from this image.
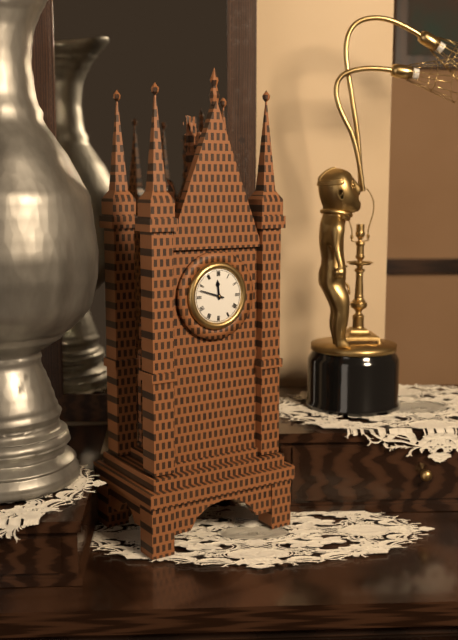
11:48
